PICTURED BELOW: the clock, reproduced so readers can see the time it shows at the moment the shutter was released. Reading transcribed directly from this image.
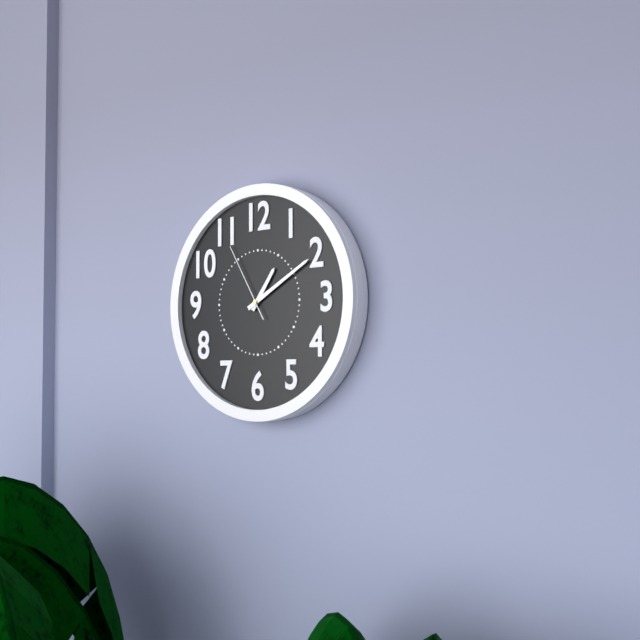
1:10:55
